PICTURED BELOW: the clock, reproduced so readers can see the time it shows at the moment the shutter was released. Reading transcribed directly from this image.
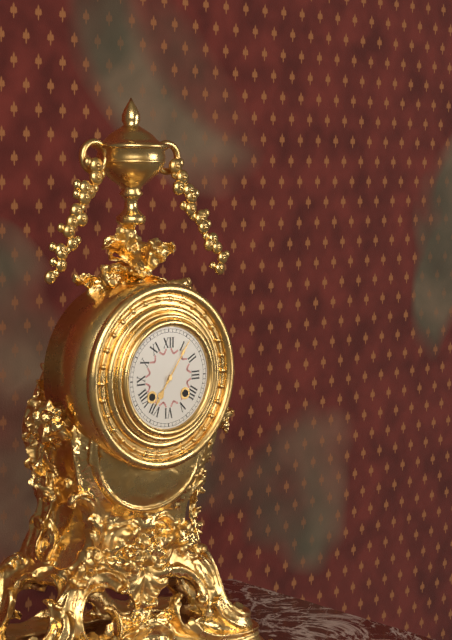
7:06
